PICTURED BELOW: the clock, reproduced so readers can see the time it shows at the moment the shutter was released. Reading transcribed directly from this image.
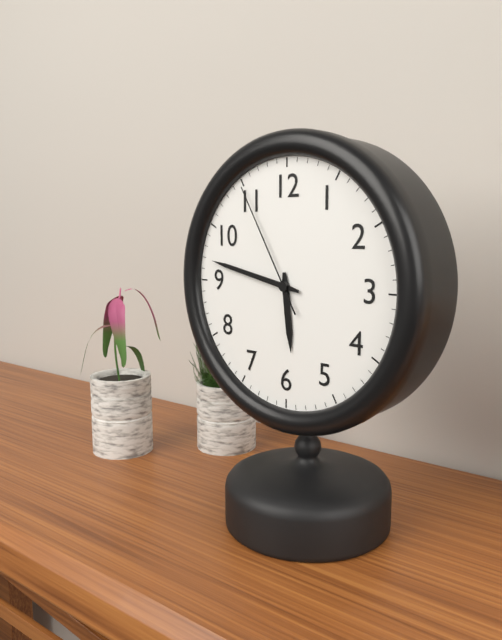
5:47:55
